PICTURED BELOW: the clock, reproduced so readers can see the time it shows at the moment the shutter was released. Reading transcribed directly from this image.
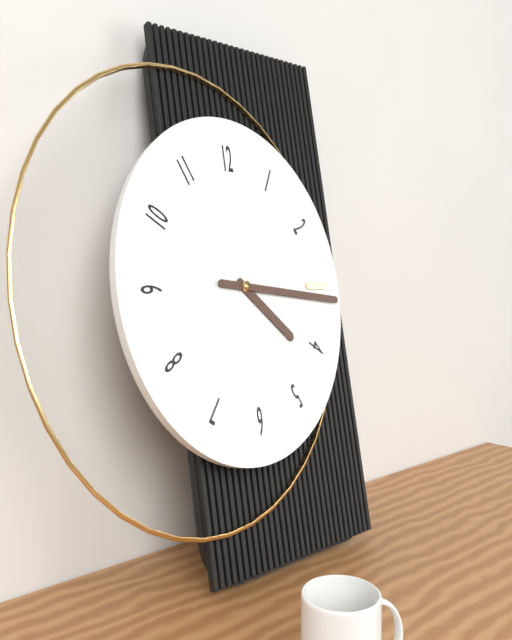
4:16
